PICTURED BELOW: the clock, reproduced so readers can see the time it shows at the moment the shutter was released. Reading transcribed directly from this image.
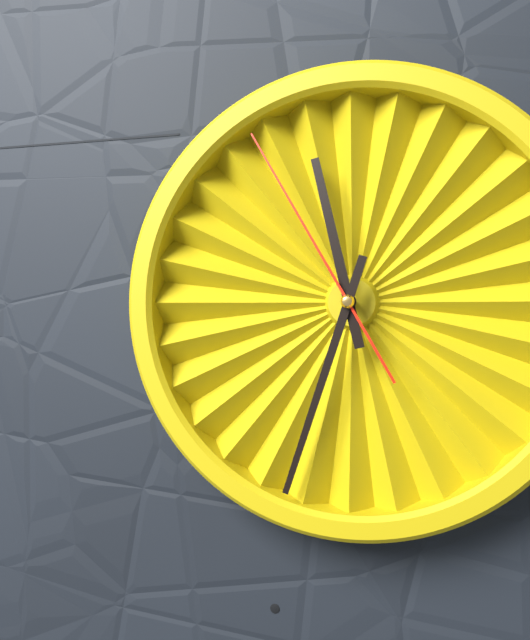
11:33:55
